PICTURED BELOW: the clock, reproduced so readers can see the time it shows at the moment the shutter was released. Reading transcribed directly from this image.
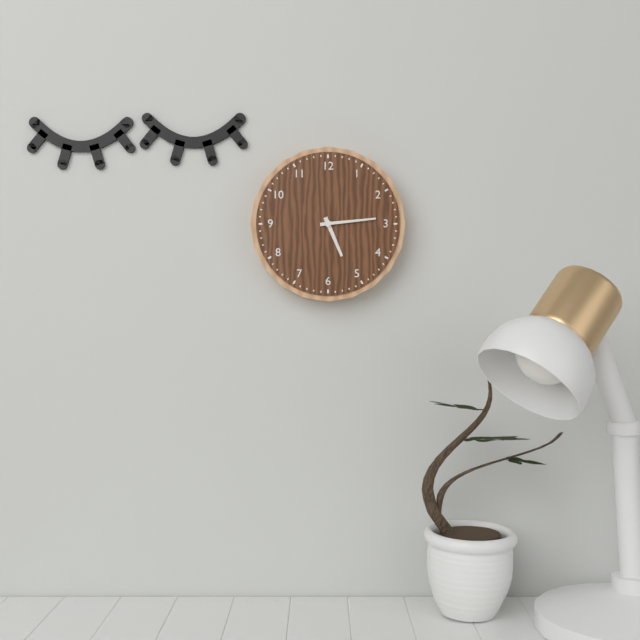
5:14
